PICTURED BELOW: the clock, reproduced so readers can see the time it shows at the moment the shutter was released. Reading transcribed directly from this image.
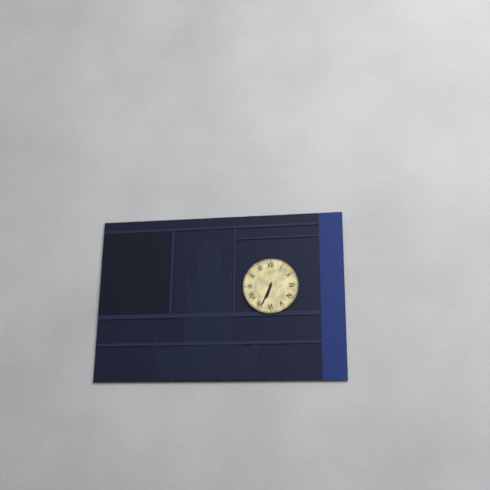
6:34
